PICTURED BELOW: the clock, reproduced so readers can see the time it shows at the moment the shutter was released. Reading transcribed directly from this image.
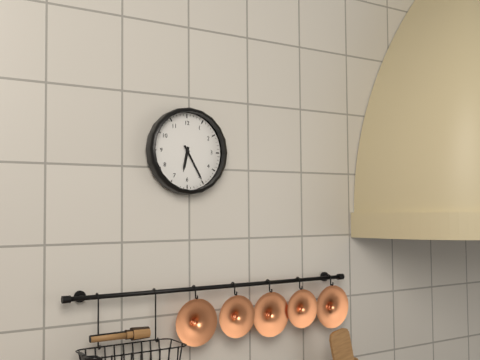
6:25
